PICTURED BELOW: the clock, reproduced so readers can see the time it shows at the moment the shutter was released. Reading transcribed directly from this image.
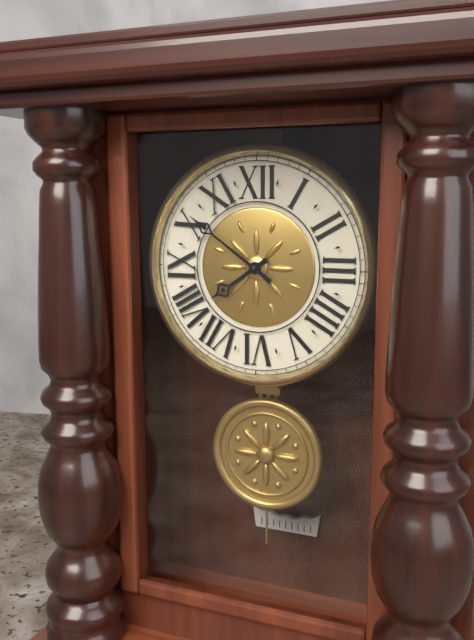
7:51
